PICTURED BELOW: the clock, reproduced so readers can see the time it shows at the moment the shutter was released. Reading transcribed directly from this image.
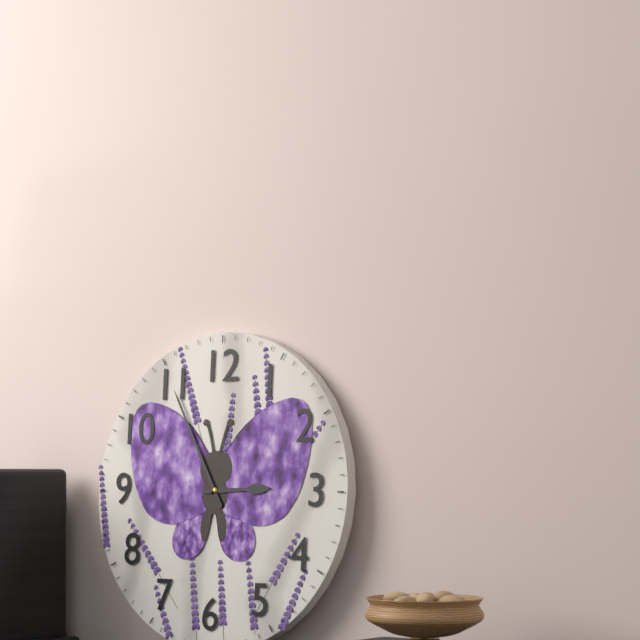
2:55
